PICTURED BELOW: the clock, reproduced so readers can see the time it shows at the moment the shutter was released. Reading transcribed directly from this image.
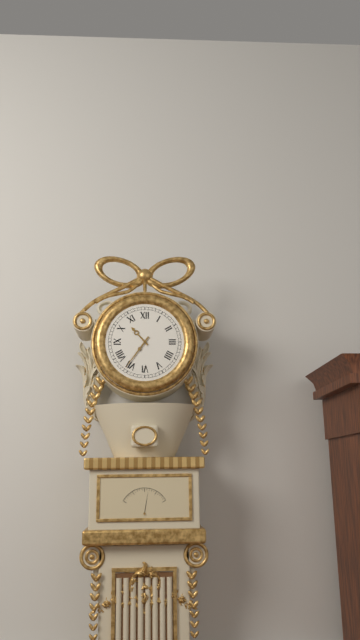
10:36
